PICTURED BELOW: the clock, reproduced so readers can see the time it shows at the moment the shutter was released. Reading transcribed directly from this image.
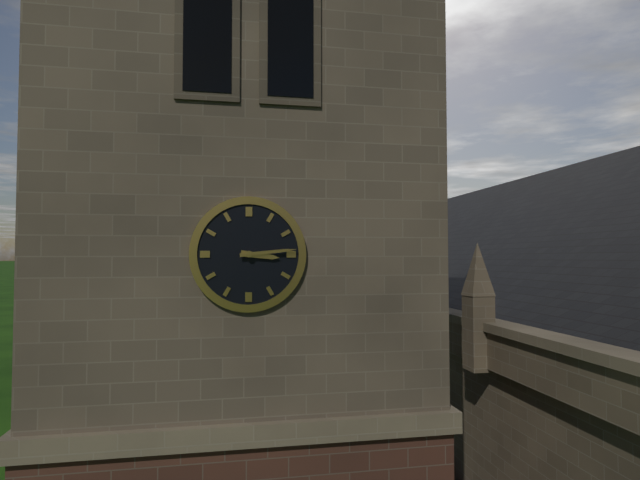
3:14
